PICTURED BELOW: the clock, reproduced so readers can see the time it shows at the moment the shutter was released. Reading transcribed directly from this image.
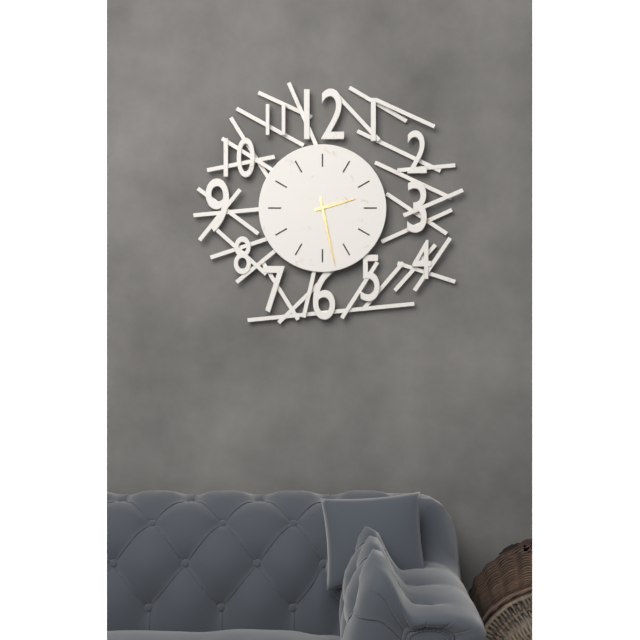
2:28
